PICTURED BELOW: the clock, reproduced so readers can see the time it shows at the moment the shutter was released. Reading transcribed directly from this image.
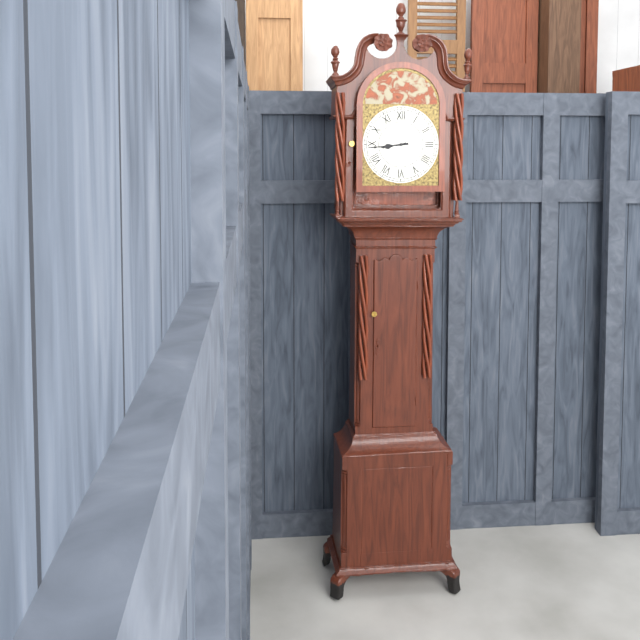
8:44
